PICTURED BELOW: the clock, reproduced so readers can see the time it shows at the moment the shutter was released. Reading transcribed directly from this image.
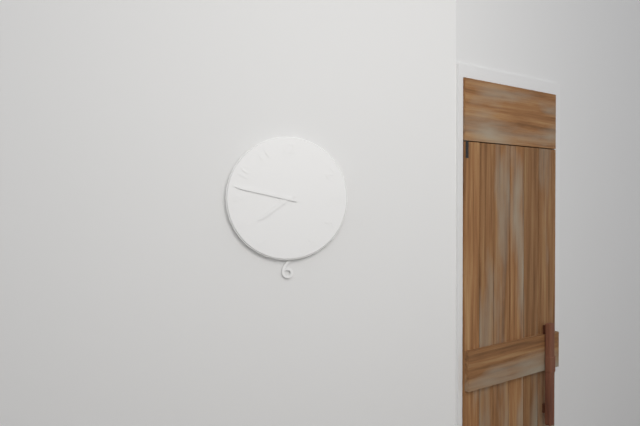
7:47
